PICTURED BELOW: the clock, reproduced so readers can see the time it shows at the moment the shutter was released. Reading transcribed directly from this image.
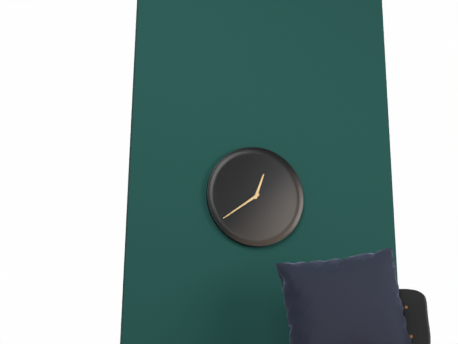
12:39
